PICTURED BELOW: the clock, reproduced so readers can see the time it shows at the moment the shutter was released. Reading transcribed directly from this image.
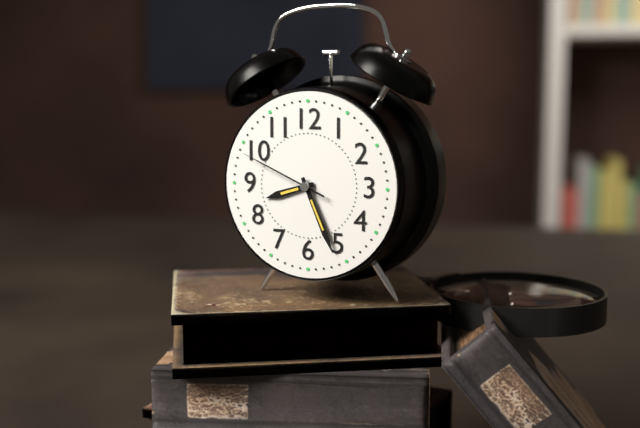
8:26:49
